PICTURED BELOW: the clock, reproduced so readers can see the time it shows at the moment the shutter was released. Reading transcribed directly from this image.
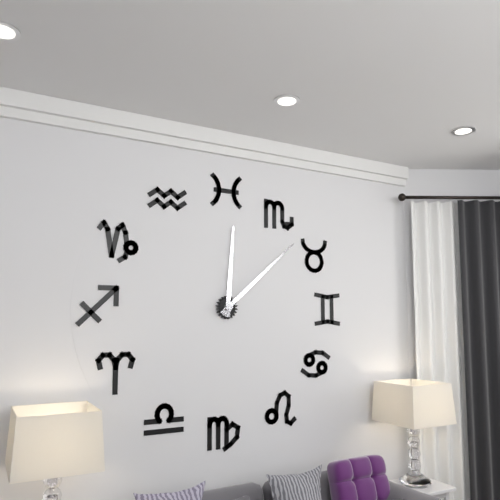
12:08
